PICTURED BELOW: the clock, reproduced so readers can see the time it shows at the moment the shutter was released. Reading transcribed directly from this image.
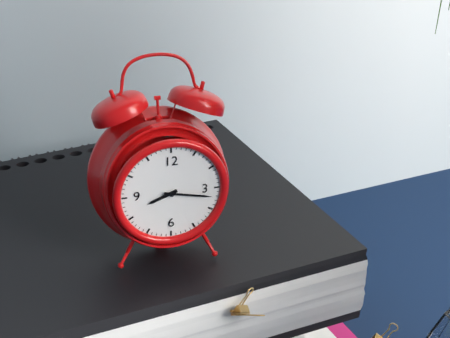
8:17
